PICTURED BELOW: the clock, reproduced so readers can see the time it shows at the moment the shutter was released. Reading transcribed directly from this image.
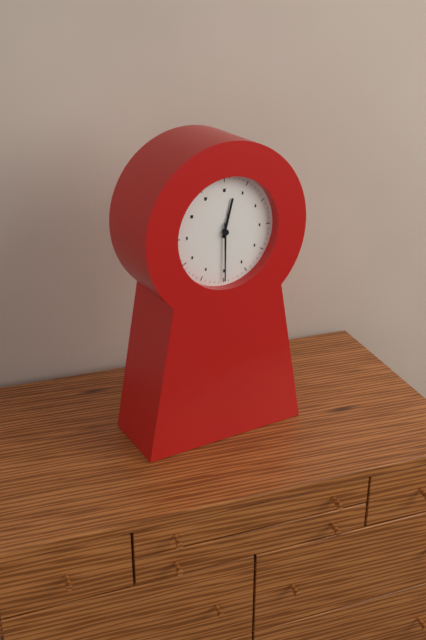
12:30
